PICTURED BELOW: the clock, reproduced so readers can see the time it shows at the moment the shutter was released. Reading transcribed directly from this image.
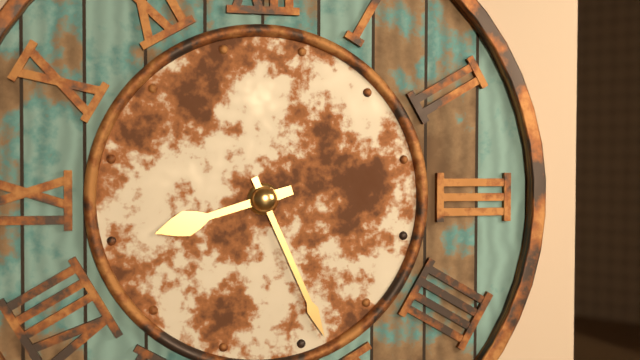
8:26
